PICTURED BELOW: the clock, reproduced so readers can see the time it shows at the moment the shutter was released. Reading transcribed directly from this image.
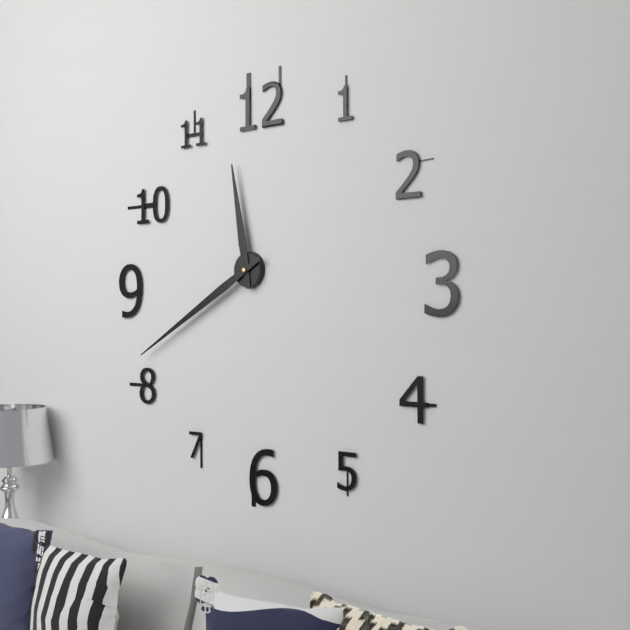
11:40
